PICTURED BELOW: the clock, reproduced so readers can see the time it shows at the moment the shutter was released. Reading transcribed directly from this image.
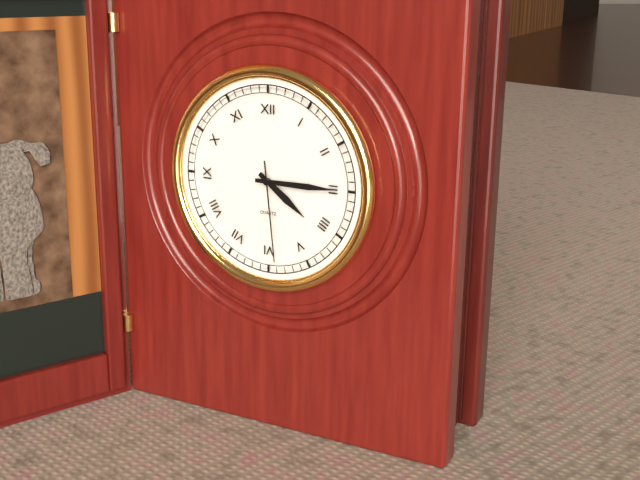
4:15:29
